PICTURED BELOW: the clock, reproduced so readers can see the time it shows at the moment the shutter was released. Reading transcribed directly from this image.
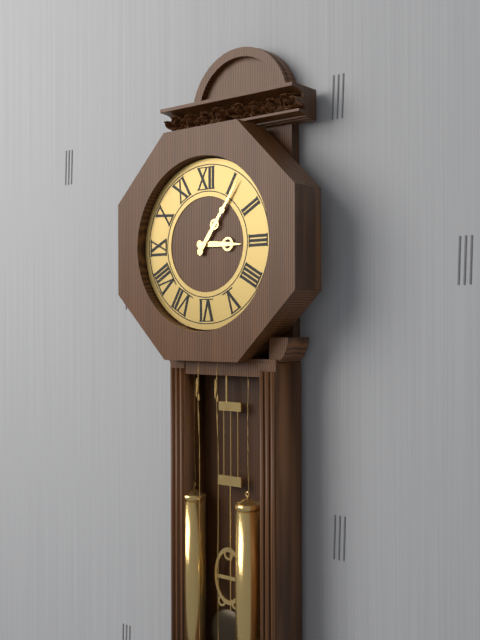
3:06
